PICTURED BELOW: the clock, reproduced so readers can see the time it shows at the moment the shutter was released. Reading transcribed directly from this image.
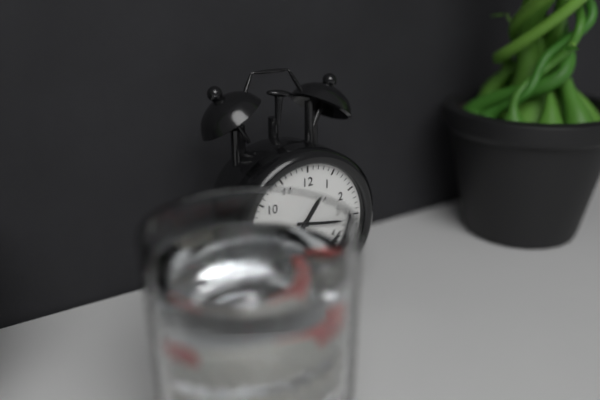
1:17
